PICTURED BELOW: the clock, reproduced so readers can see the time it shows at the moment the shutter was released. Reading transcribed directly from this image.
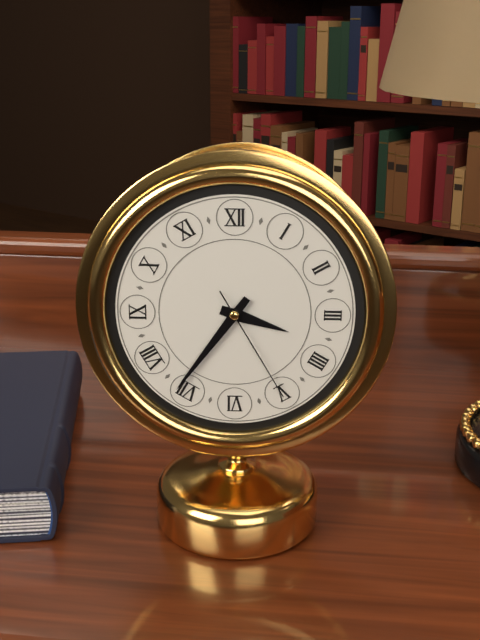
3:36:25
